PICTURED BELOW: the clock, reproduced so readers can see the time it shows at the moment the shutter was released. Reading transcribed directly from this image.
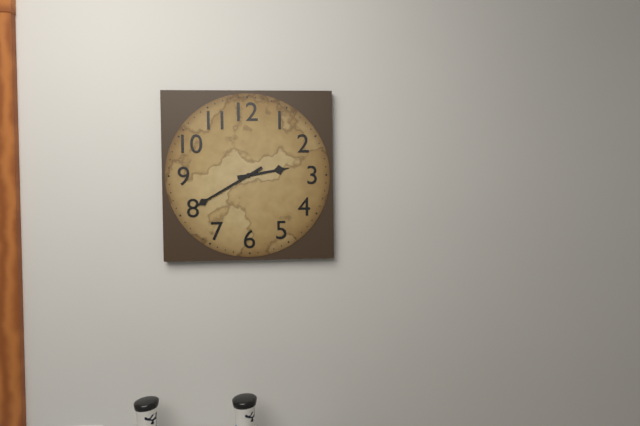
2:40
